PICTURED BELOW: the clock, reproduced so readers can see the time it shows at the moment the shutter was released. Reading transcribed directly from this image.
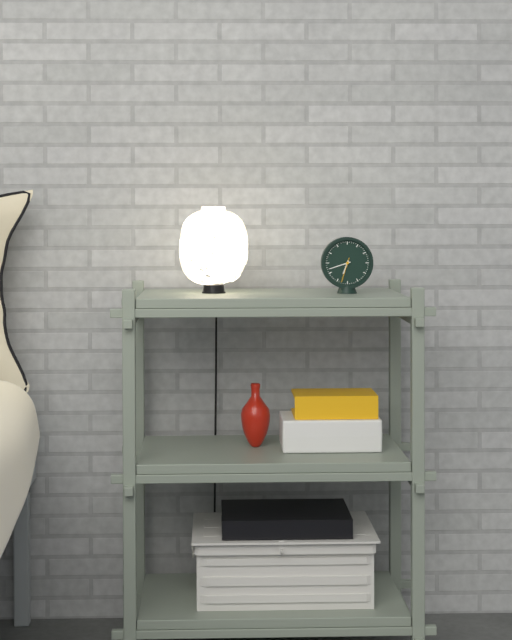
6:42
